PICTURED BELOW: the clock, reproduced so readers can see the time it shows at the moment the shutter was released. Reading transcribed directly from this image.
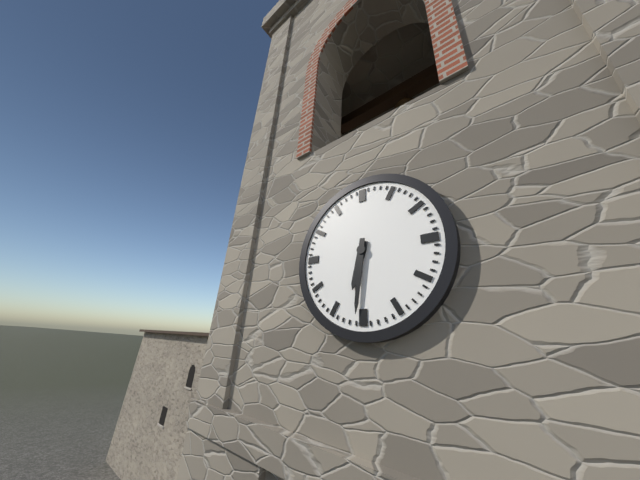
6:31
